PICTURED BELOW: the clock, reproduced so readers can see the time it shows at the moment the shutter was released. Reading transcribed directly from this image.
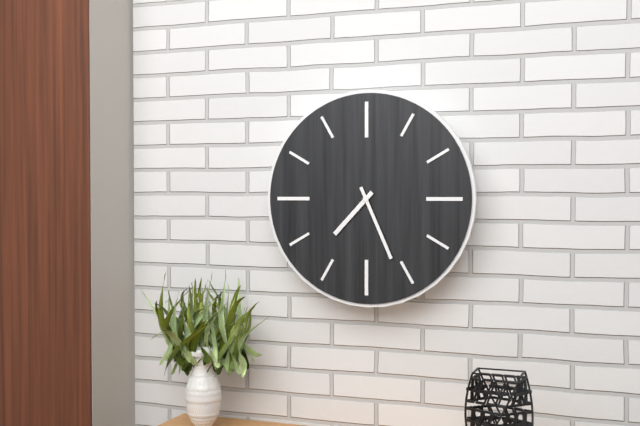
7:26
